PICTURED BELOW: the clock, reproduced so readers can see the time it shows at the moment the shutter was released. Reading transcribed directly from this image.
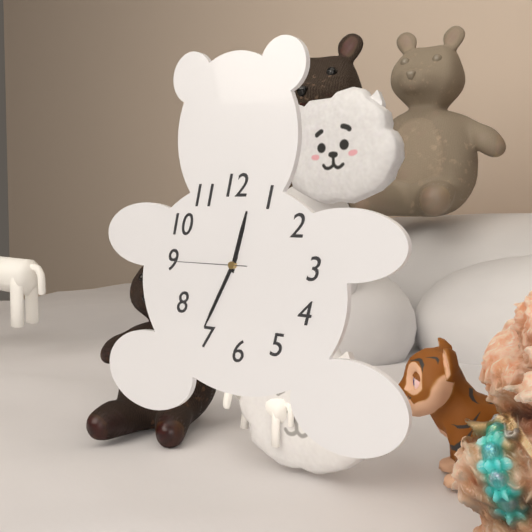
12:35:45
